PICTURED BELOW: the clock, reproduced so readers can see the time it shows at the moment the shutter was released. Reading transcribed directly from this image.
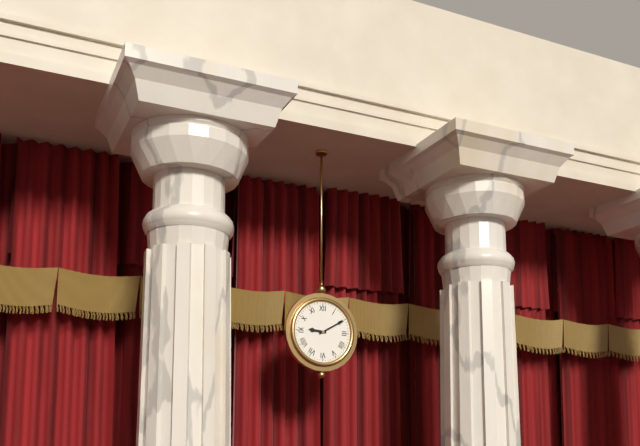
9:10
